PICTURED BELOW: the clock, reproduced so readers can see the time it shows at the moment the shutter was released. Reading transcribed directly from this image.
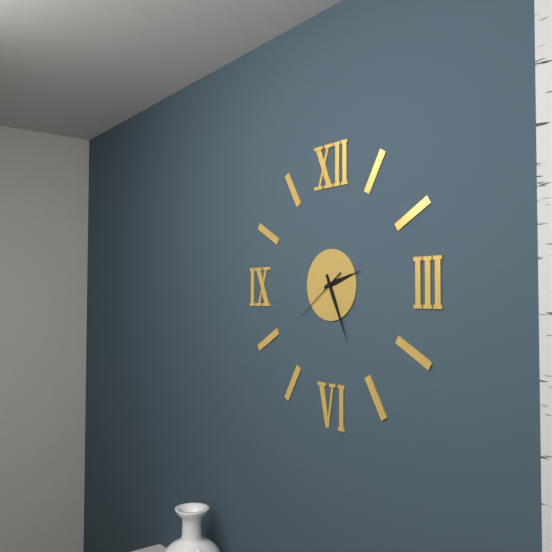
2:26:39
